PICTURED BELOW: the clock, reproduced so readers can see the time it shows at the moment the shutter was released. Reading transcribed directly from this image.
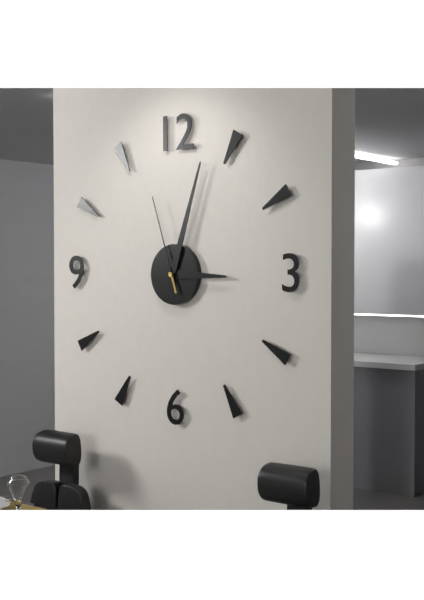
3:03:57
